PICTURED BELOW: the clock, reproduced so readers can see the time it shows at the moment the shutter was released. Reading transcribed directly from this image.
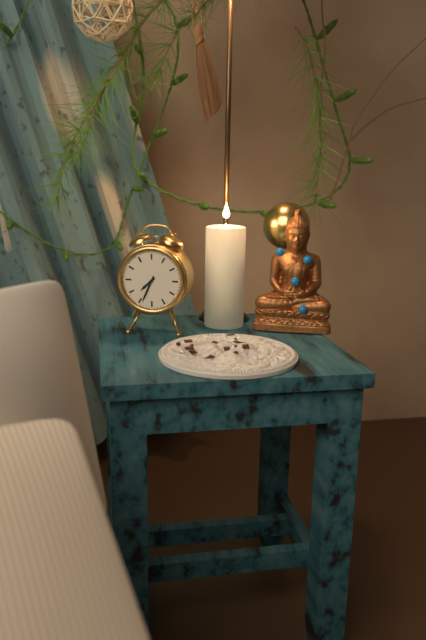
7:34
